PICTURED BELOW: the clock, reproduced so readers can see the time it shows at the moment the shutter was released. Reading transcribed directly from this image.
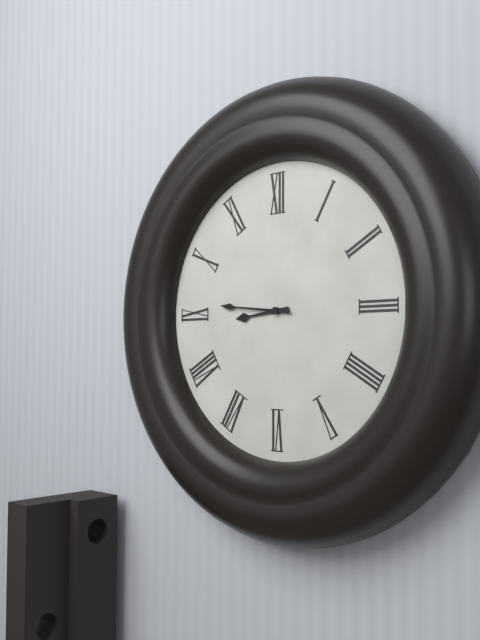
8:46
